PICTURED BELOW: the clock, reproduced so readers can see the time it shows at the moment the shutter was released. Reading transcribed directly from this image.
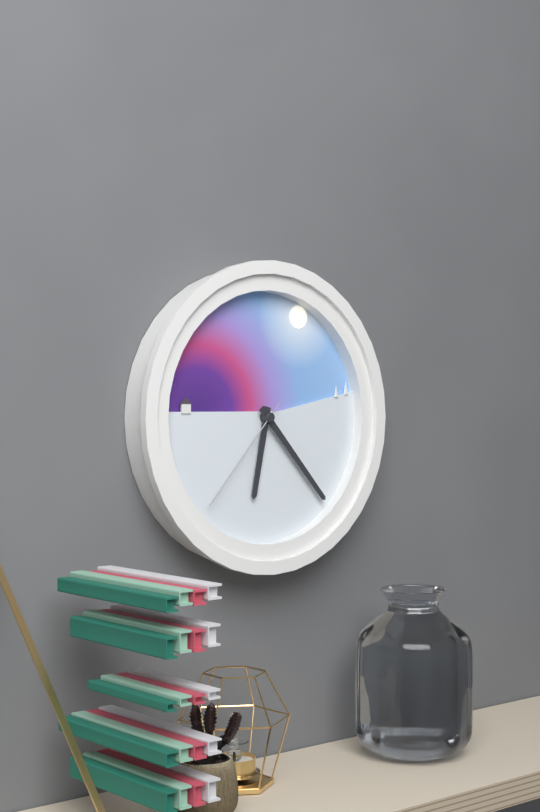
6:23:37
